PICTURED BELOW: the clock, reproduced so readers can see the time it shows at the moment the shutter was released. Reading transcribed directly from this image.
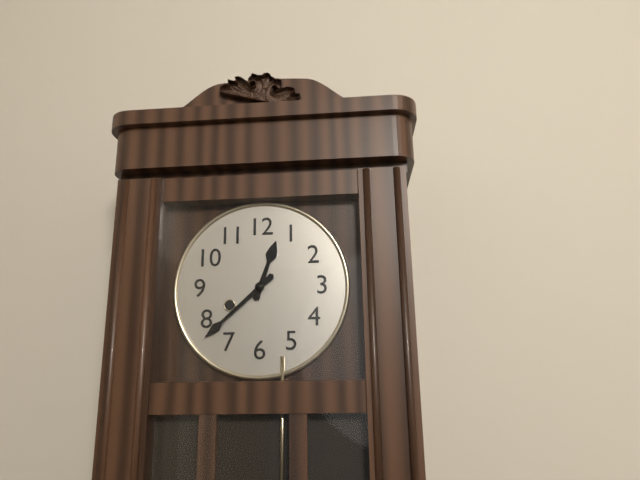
12:38
